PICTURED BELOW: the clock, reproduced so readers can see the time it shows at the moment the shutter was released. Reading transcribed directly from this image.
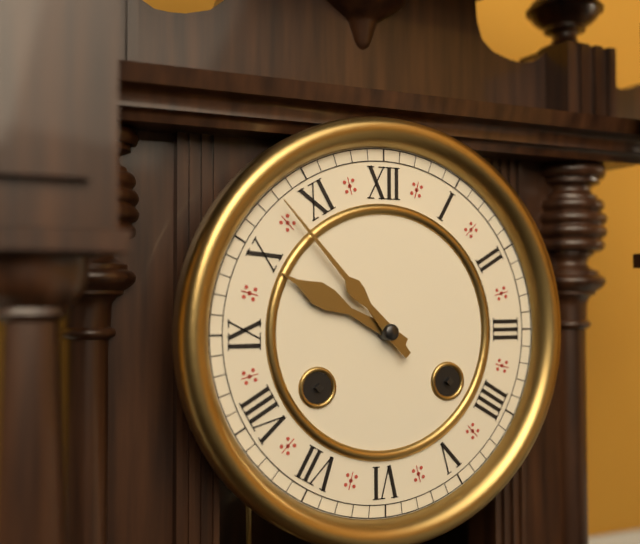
9:53
